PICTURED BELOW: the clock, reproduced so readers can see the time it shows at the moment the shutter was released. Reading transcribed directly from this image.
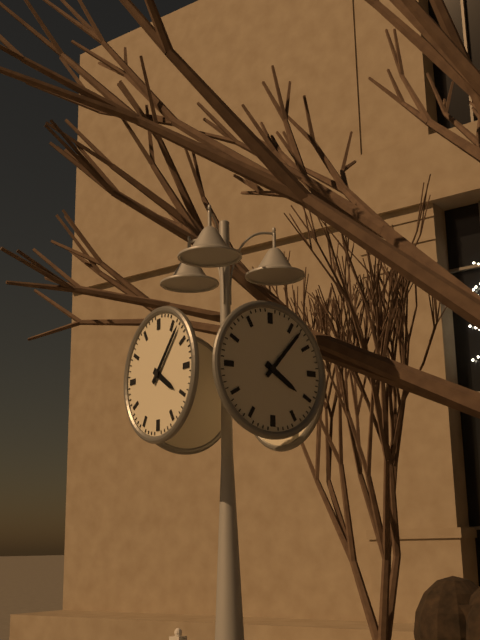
4:07
